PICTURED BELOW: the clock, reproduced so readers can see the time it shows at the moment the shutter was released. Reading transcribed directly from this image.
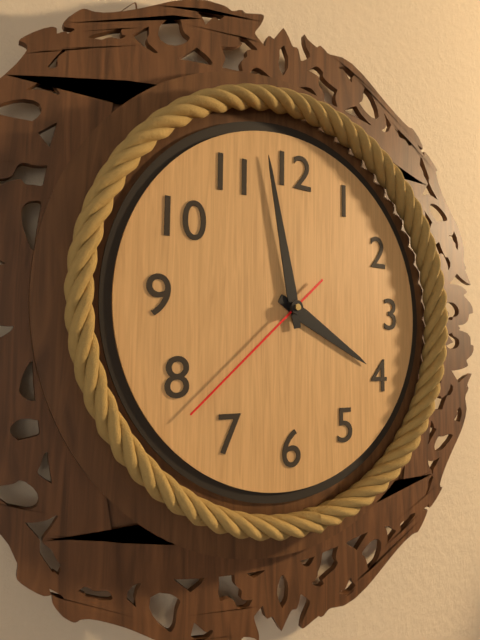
3:58:38
